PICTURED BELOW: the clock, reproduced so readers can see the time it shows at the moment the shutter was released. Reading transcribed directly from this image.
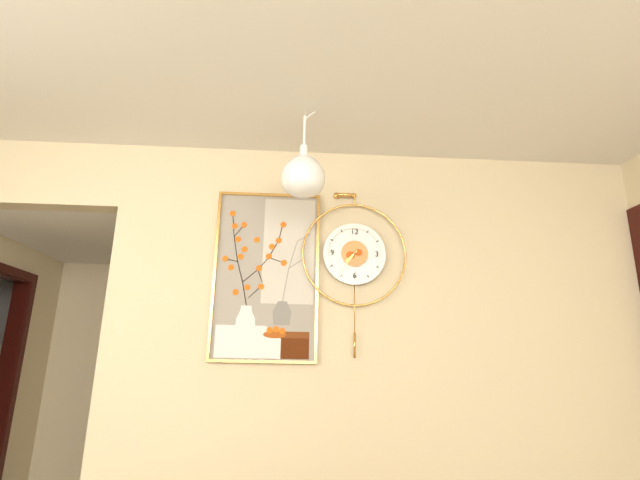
7:36
